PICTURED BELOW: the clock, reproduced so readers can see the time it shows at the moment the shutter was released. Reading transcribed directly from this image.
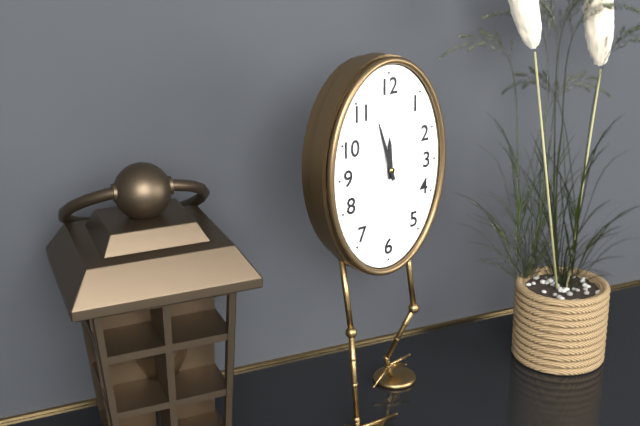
11:57
